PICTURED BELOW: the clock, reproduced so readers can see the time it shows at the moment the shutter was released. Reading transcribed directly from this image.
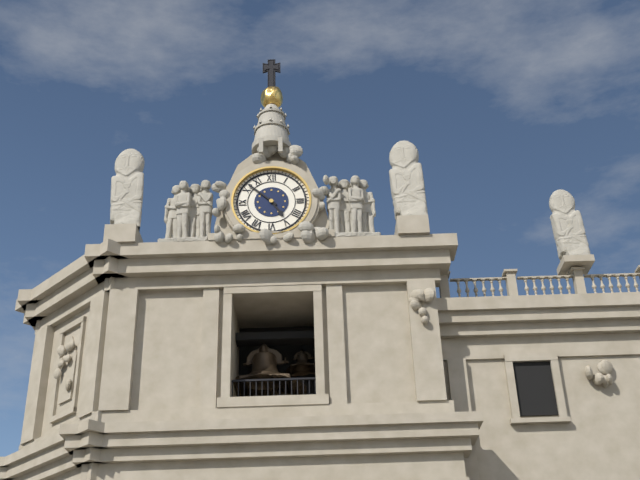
4:52
